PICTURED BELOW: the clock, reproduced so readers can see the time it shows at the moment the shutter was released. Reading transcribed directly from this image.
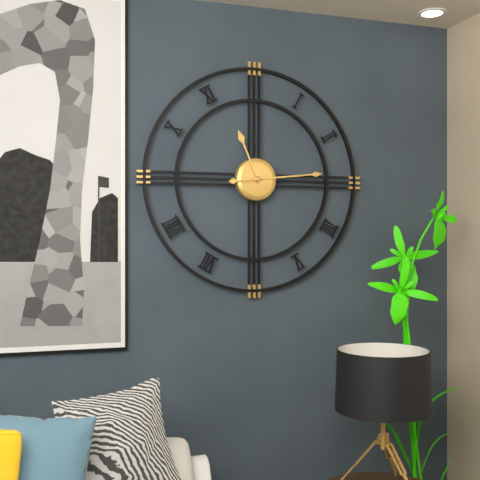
11:14
